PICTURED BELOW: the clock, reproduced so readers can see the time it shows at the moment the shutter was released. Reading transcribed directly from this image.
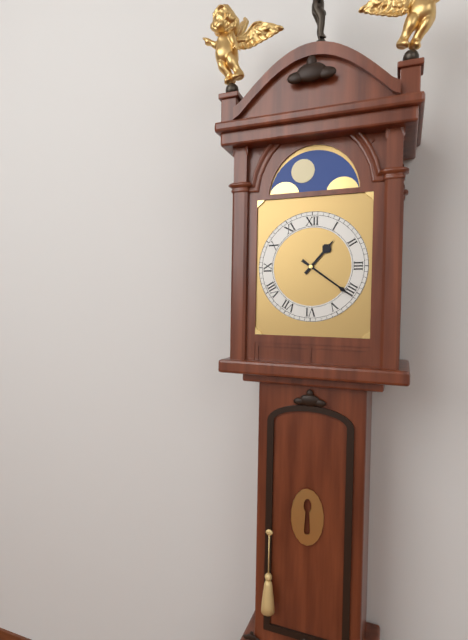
1:21
